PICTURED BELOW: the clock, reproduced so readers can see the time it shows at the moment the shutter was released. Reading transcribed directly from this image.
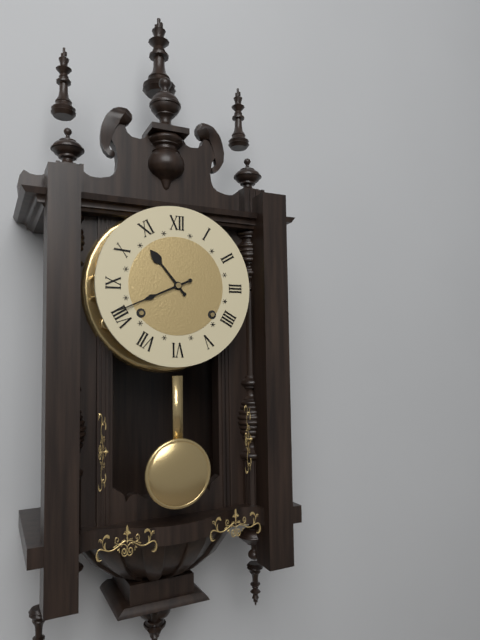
10:41
